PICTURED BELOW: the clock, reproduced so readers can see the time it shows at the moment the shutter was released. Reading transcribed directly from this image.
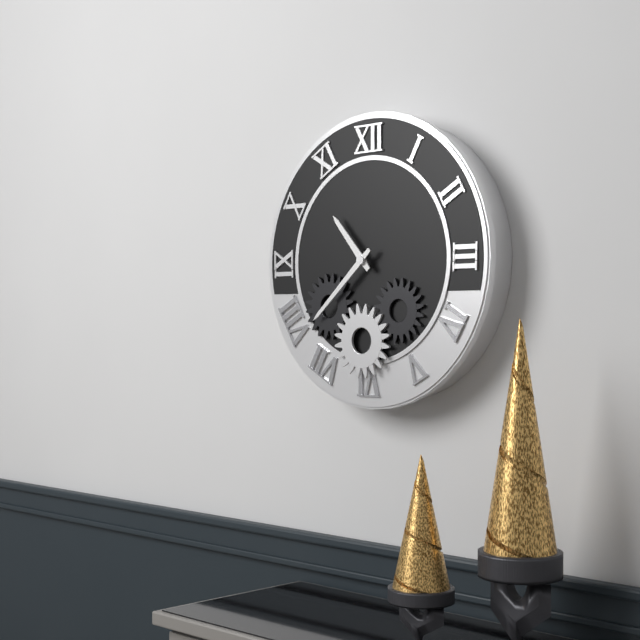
10:38
